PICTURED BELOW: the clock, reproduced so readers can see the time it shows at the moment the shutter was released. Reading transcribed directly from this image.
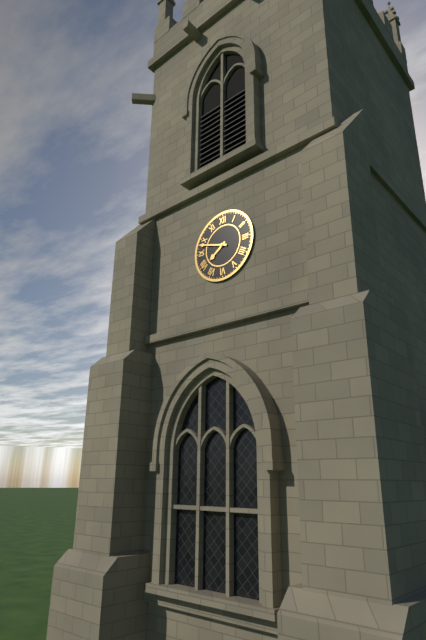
7:48
